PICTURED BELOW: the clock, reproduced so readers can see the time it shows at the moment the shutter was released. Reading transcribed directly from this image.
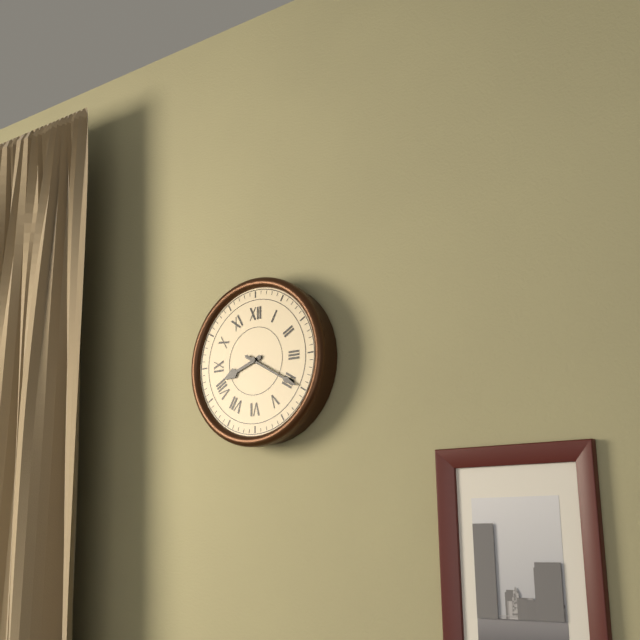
8:20
